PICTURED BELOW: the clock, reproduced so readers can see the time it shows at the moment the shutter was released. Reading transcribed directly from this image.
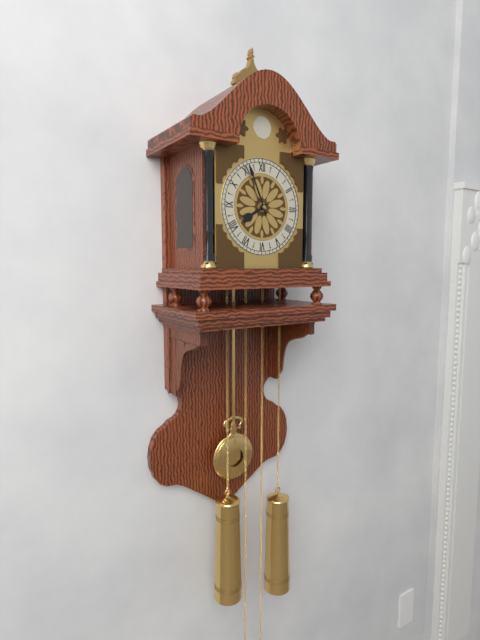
7:56
